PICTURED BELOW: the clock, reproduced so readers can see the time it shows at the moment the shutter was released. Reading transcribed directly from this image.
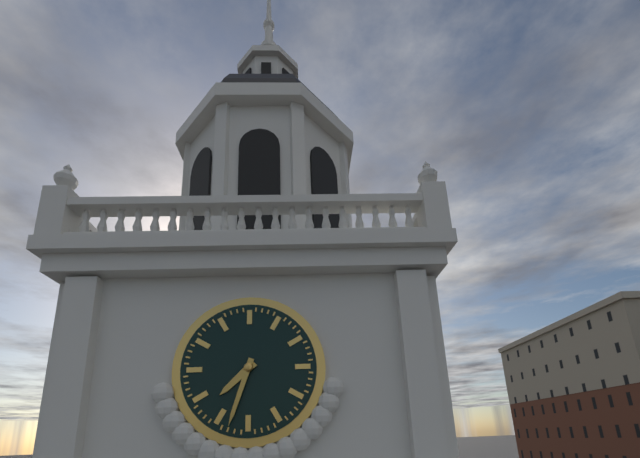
7:33
